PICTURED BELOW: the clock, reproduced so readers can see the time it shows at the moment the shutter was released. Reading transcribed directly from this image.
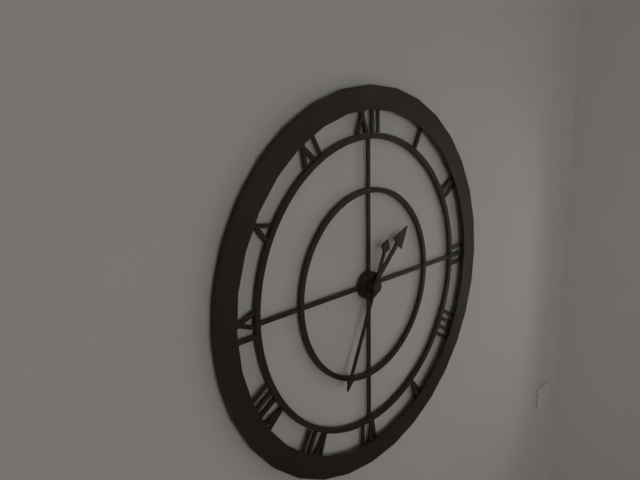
1:34
